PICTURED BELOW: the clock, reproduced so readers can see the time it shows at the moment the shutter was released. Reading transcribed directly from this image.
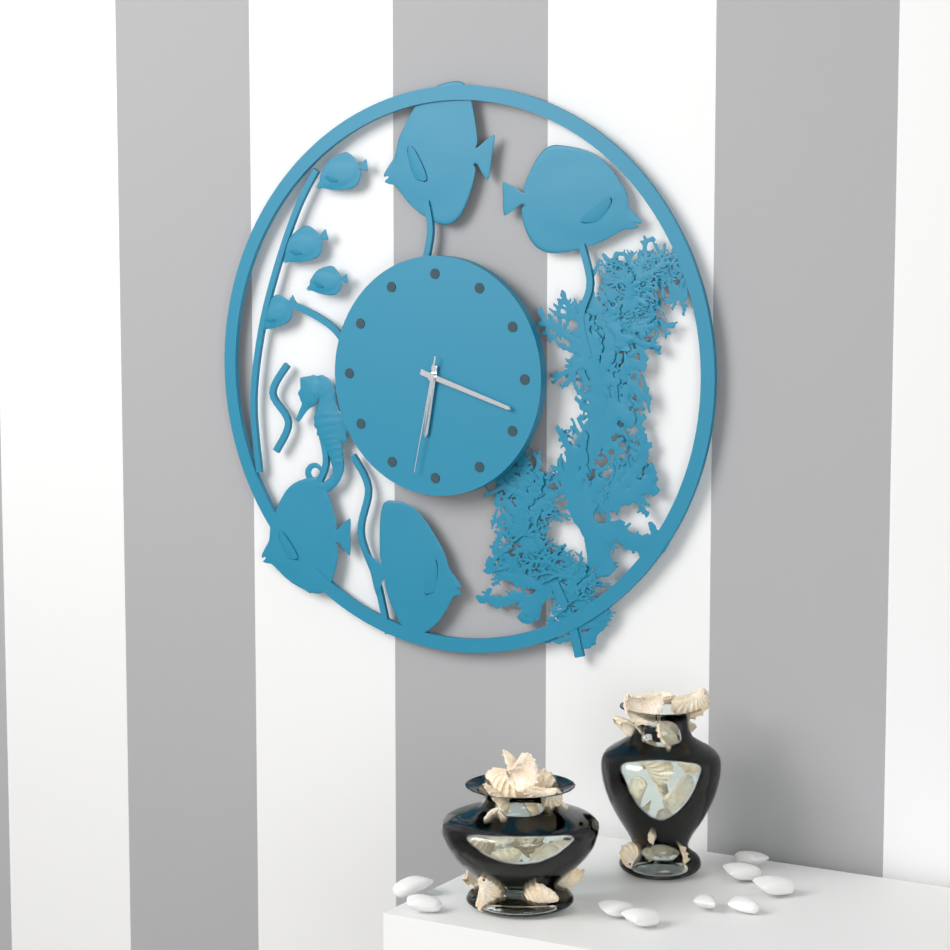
6:18:32
